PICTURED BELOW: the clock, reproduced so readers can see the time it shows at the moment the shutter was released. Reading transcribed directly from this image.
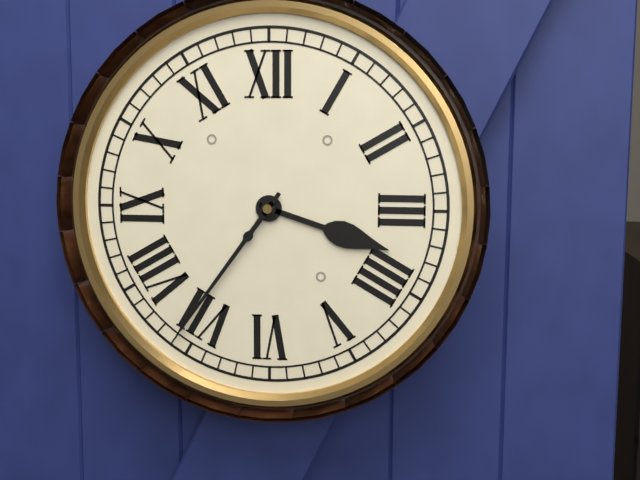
3:36
